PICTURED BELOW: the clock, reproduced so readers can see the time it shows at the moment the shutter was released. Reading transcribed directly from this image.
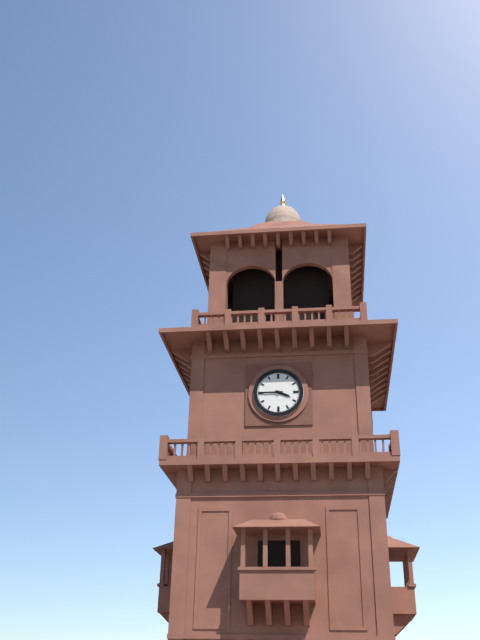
3:45
